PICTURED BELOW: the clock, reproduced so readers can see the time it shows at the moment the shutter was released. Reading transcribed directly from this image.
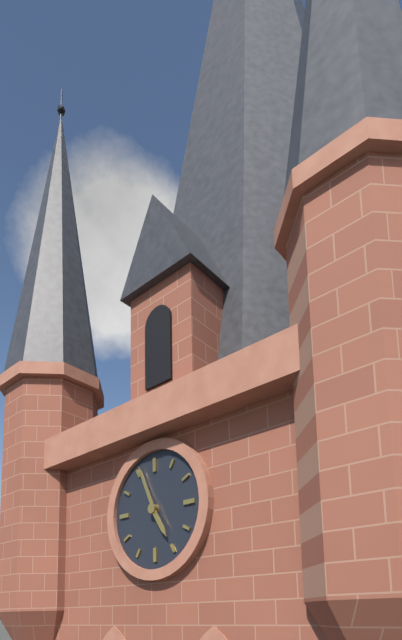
4:56
